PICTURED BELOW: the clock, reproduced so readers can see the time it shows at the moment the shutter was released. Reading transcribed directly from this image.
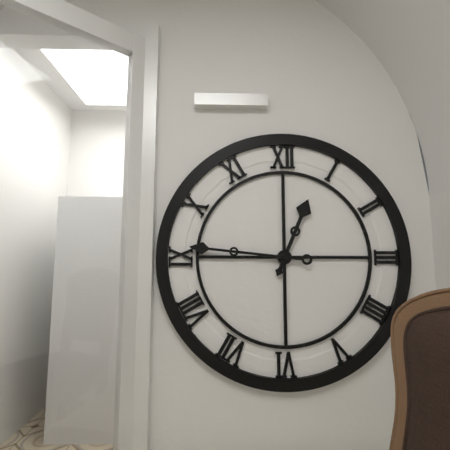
12:46
